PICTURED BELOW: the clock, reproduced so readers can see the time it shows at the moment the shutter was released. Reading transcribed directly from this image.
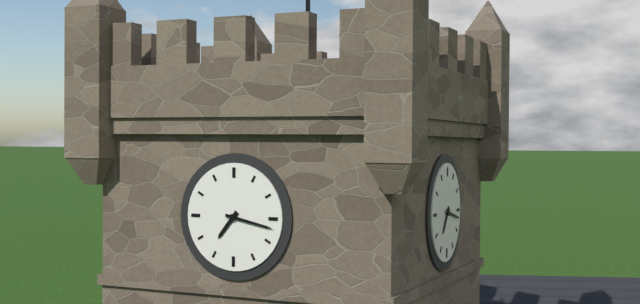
7:17
